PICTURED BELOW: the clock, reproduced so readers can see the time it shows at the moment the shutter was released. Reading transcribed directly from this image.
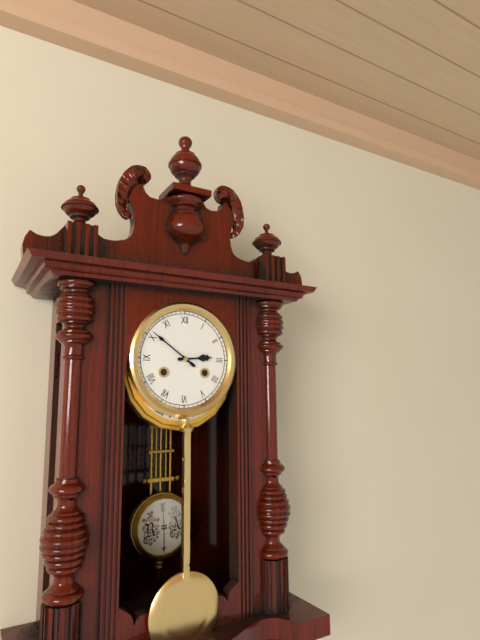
2:51
